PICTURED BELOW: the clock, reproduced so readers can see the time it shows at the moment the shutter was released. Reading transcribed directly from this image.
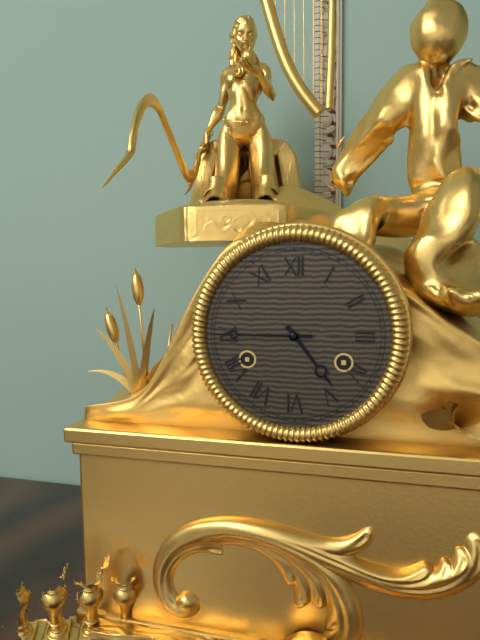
4:45
